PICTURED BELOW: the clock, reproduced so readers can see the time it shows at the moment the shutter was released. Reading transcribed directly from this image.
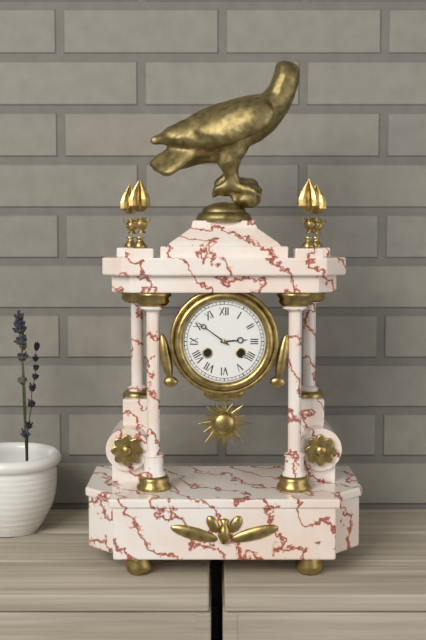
2:51
